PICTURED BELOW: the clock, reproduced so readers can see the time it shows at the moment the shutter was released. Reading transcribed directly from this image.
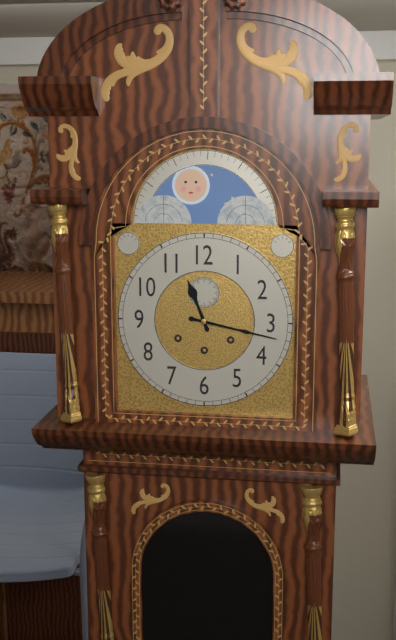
11:17
